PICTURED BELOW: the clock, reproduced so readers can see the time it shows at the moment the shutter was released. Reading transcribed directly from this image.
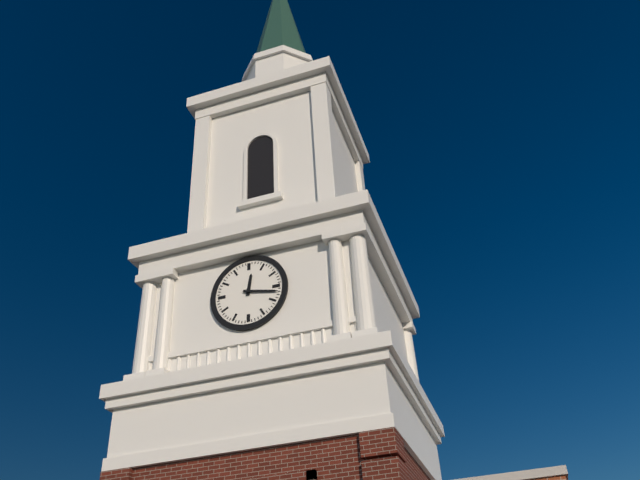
12:17
